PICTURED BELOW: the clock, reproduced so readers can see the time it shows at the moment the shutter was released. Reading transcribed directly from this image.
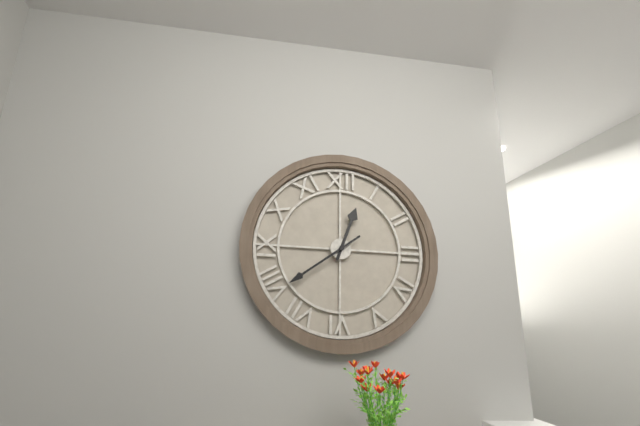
12:39
